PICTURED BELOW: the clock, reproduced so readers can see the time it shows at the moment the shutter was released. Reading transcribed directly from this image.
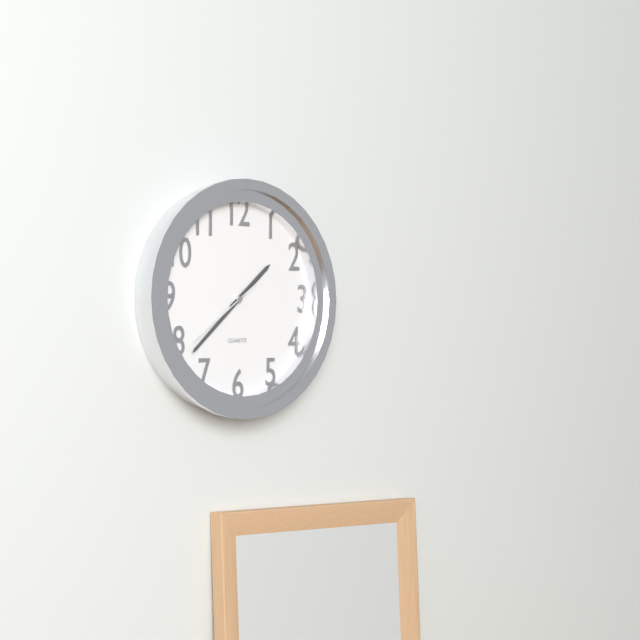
1:38:39
